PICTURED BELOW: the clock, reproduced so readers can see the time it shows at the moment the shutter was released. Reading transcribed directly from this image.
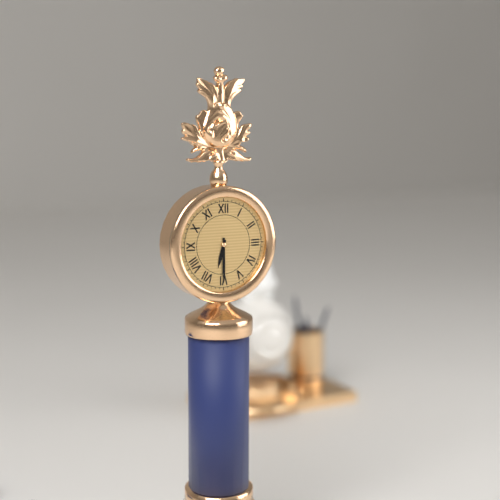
6:30
